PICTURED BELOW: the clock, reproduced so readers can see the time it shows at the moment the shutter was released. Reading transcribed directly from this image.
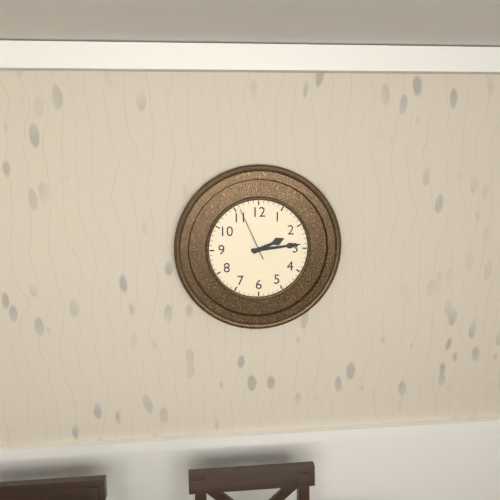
2:14:56
